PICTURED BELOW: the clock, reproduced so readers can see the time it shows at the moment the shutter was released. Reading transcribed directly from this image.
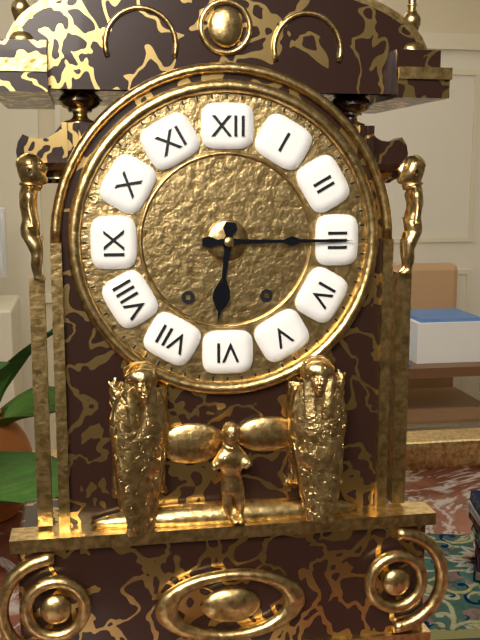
6:15
